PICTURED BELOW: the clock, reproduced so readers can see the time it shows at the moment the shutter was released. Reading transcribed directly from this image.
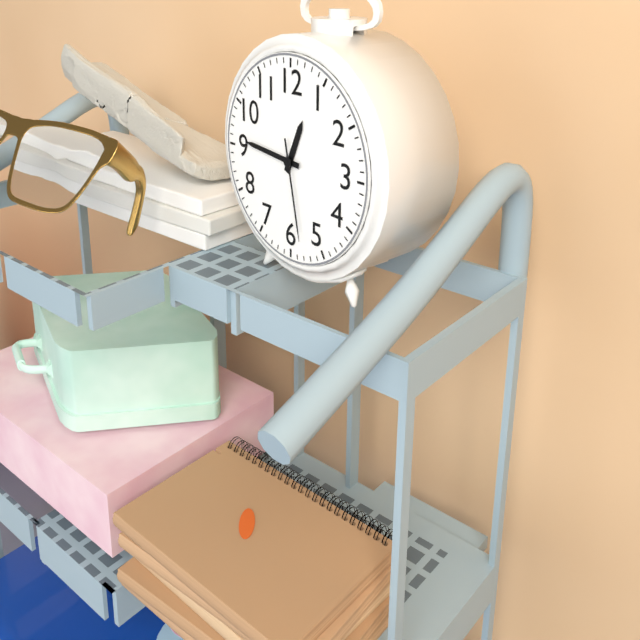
12:46:28
